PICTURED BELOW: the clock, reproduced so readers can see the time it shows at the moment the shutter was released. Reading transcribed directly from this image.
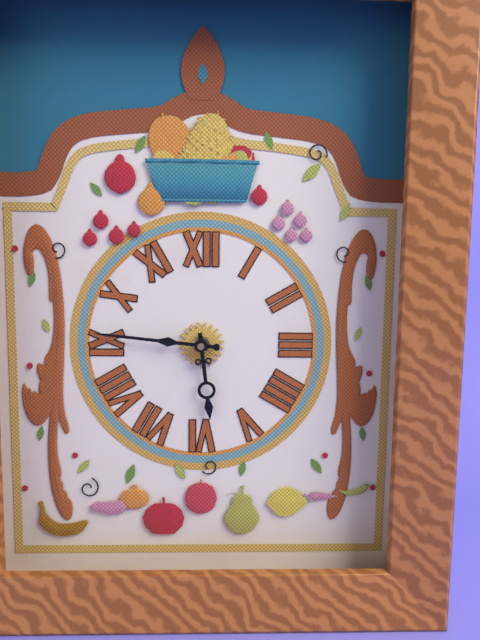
5:46
